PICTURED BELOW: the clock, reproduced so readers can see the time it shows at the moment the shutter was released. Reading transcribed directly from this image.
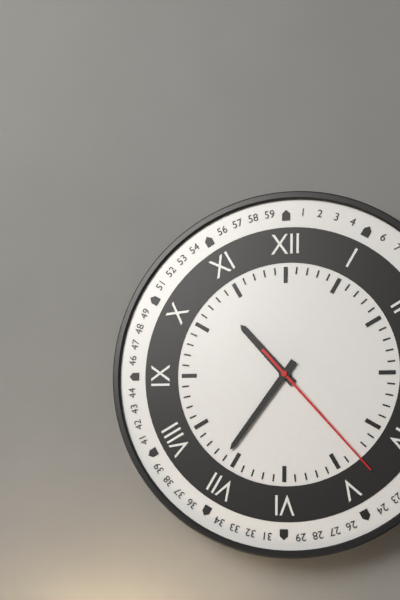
10:36:23
